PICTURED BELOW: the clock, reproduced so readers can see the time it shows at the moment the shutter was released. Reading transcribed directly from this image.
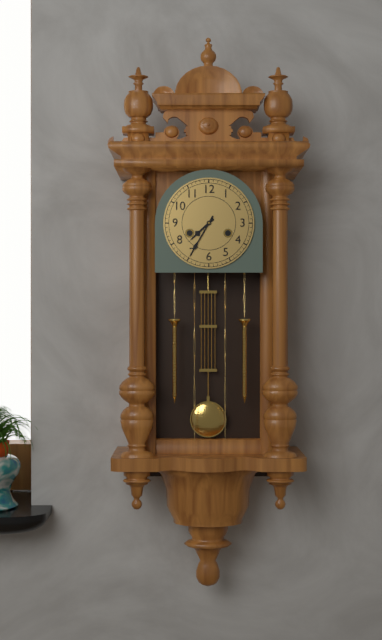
7:35
